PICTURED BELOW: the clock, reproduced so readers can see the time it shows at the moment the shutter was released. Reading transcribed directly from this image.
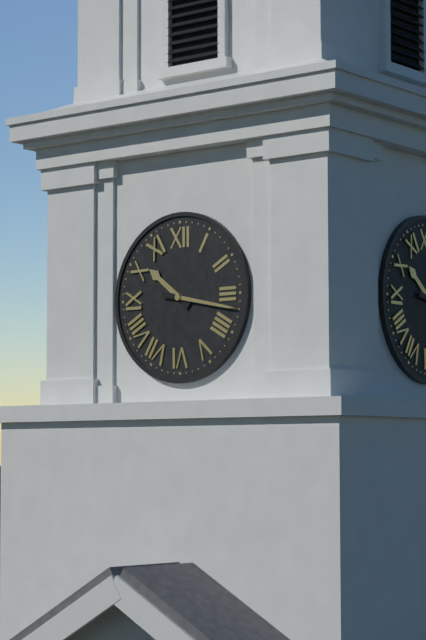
10:17
